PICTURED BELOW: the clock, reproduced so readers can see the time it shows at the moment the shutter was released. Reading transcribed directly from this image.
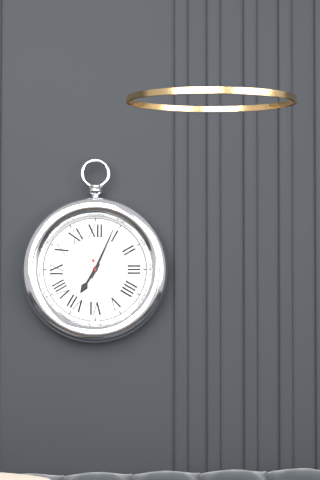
7:04:28
